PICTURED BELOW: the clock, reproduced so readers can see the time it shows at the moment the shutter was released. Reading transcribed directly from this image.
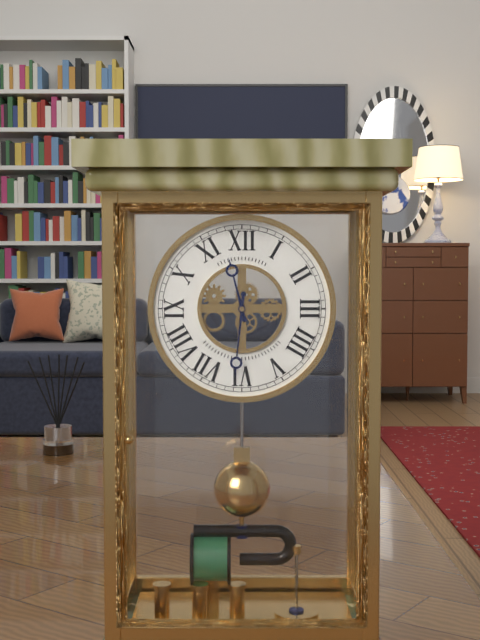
11:31
